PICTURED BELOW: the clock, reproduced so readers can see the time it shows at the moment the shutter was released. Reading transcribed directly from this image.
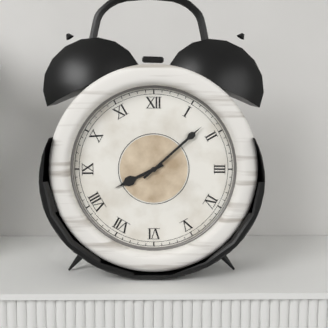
8:08
